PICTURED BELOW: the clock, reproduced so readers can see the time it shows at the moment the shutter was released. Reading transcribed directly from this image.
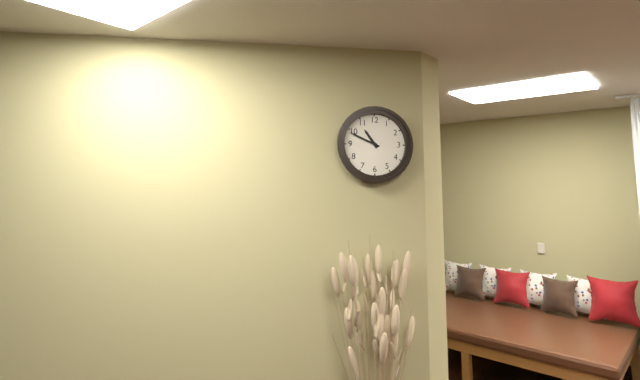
10:49
